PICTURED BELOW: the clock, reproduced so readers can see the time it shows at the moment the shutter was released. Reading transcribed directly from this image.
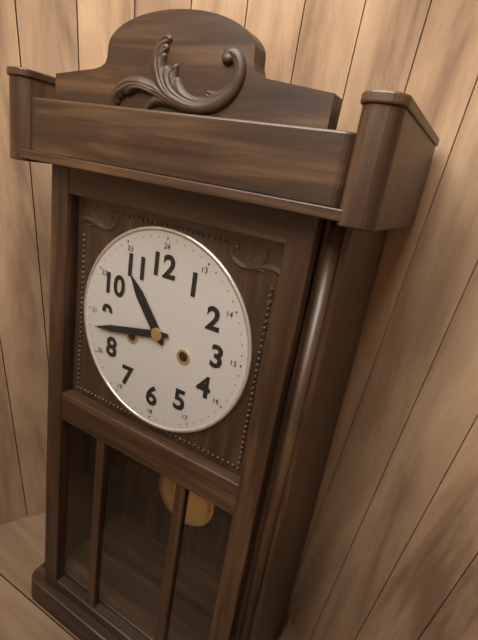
10:43
